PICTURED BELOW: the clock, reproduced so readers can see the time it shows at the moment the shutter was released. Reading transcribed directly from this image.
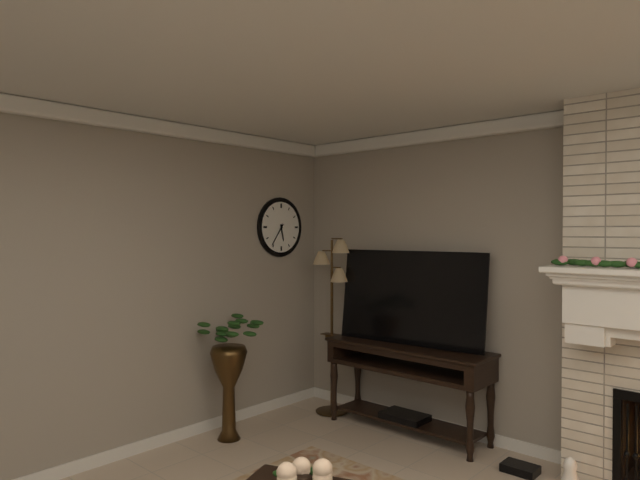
5:36
